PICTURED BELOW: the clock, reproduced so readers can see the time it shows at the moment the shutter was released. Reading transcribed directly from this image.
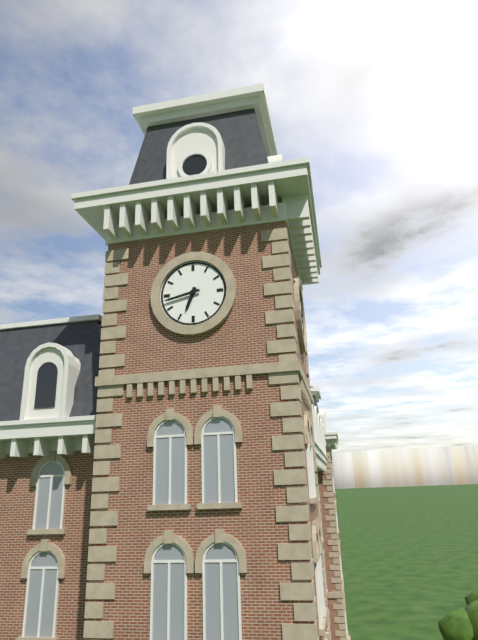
6:43
